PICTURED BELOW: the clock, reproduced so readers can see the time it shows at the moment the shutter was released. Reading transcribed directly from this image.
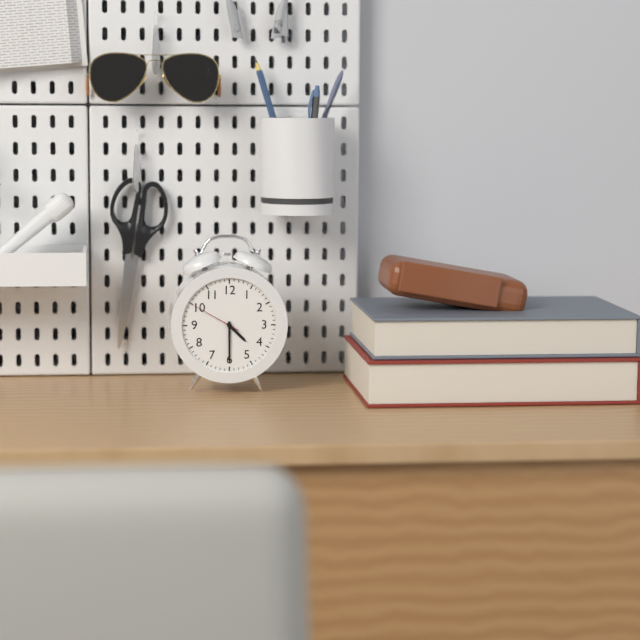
4:30:50
